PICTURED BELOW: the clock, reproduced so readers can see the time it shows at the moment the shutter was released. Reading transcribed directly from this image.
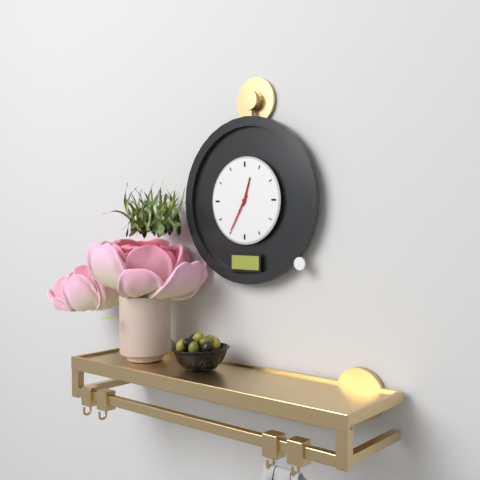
12:35
